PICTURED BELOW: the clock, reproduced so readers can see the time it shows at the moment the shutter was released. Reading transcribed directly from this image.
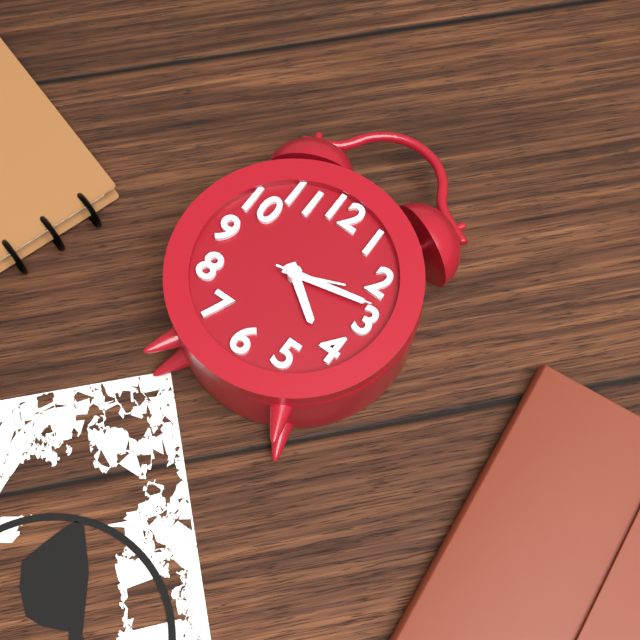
4:13:13
